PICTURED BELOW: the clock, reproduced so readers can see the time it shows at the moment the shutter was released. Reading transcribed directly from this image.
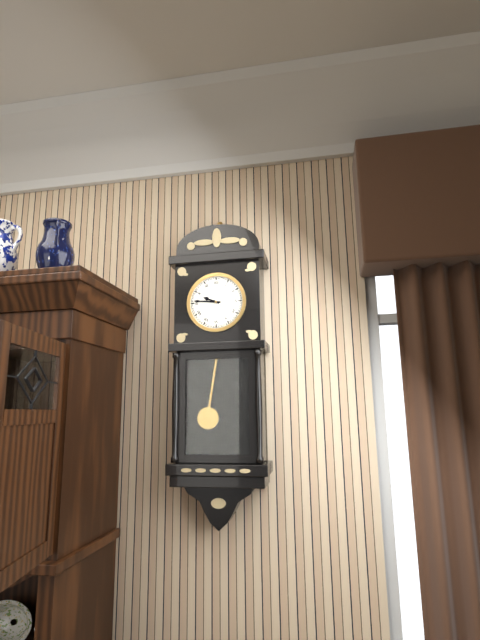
9:46
